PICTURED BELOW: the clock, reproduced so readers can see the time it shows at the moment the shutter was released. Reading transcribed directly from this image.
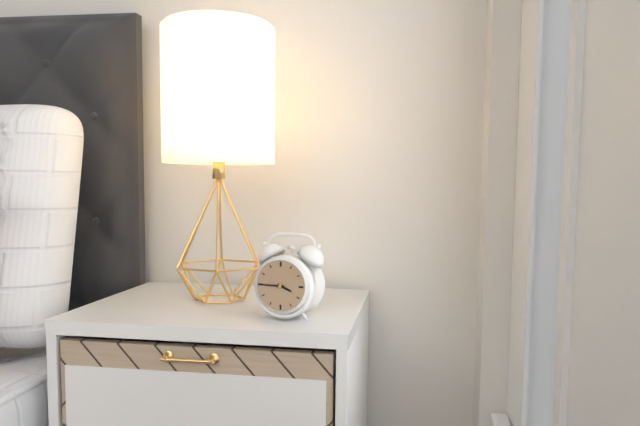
3:45
